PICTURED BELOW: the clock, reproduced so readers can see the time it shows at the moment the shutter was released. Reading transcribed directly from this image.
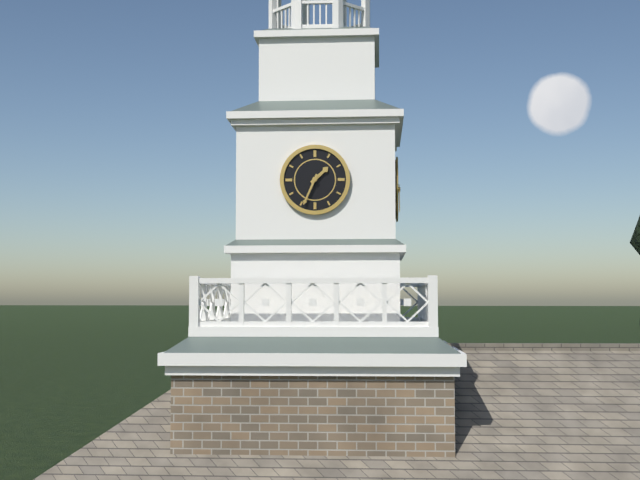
1:34
